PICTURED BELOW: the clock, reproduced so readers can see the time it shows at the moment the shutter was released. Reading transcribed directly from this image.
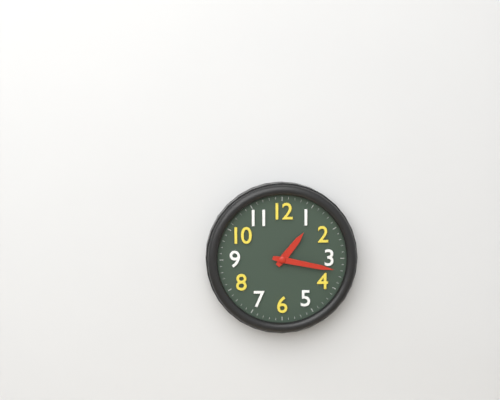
1:17
